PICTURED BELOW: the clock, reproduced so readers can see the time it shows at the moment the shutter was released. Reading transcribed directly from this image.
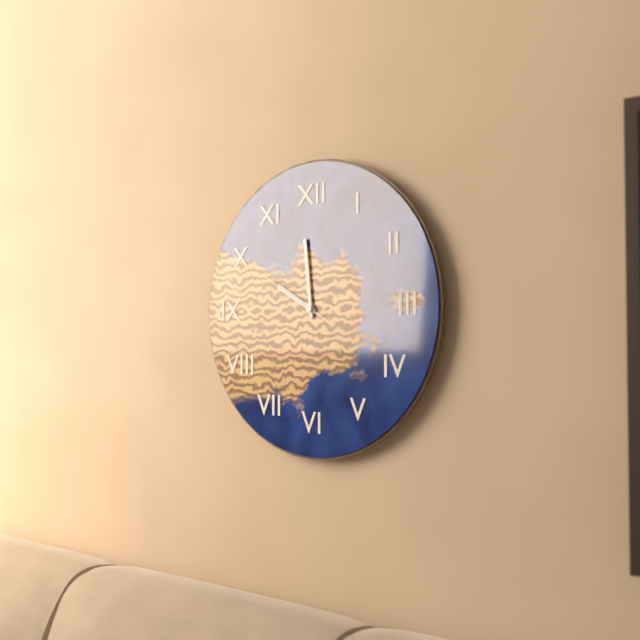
9:59:50
